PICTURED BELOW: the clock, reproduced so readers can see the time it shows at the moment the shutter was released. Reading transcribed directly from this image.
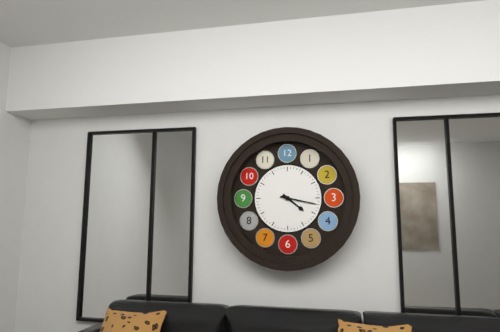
4:17
